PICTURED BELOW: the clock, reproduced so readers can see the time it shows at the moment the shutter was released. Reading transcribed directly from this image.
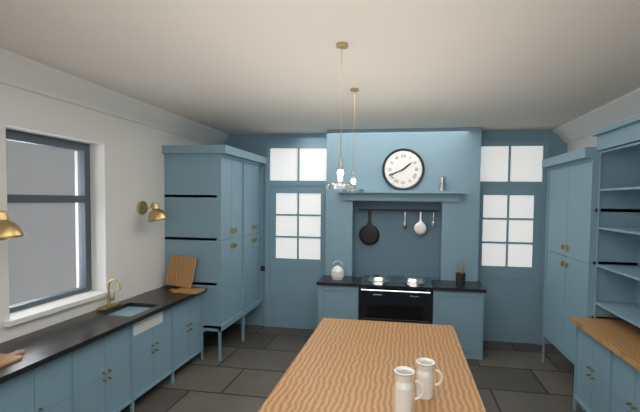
1:41
